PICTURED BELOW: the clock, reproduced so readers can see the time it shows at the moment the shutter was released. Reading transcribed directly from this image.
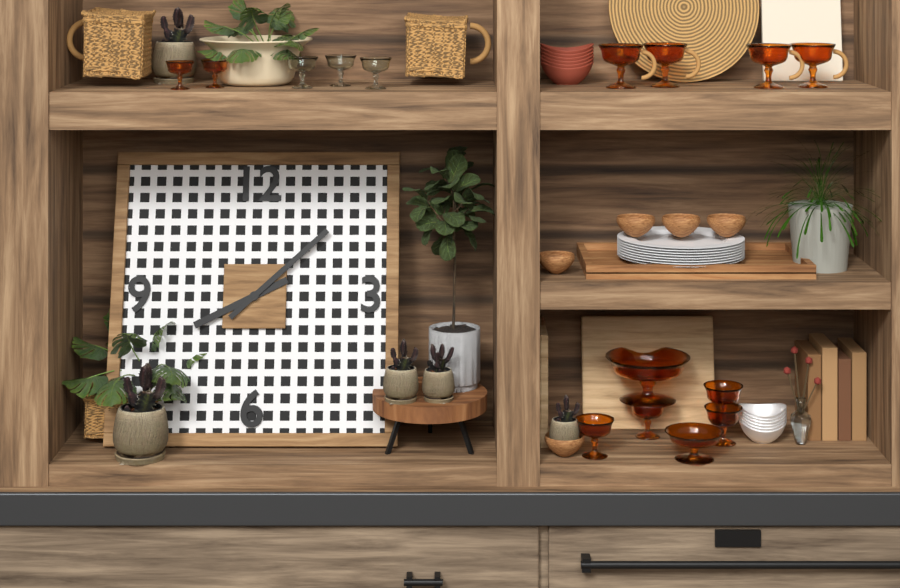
8:08
